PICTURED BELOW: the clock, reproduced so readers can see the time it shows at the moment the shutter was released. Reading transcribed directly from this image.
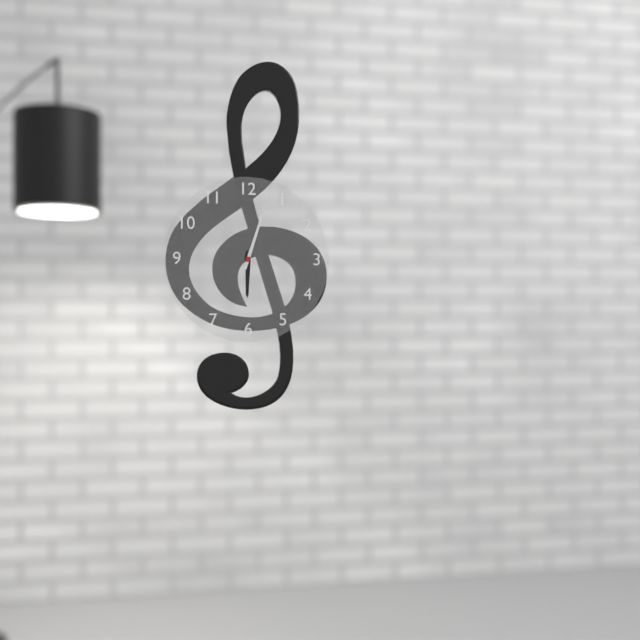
6:03
